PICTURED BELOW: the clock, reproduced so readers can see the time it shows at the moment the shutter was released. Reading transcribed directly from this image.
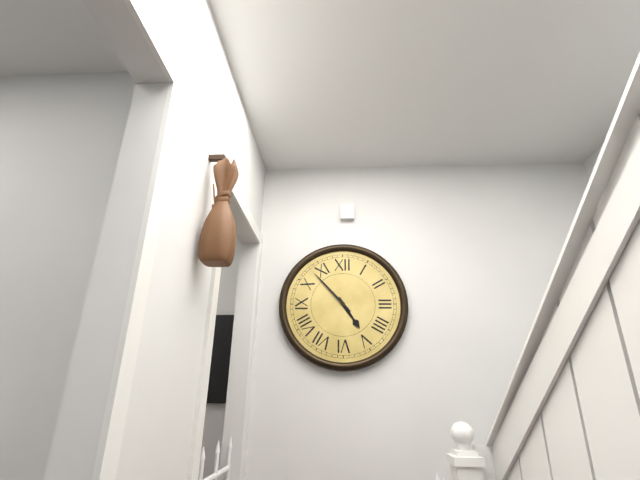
4:53
